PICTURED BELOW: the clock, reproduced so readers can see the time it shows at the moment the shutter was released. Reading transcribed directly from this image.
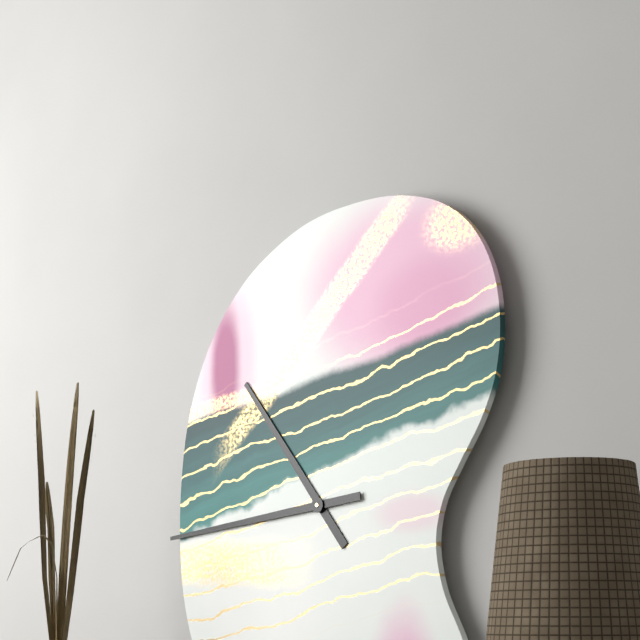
10:44
